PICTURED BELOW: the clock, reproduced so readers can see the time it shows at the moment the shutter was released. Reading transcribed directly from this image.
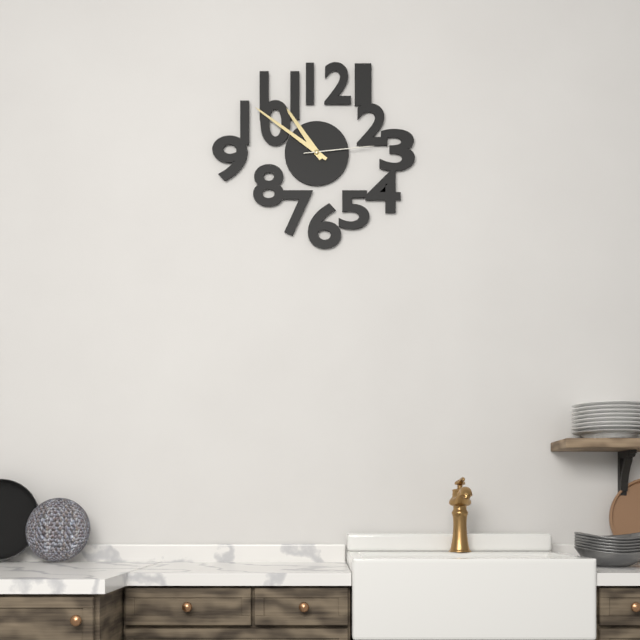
10:51:14
